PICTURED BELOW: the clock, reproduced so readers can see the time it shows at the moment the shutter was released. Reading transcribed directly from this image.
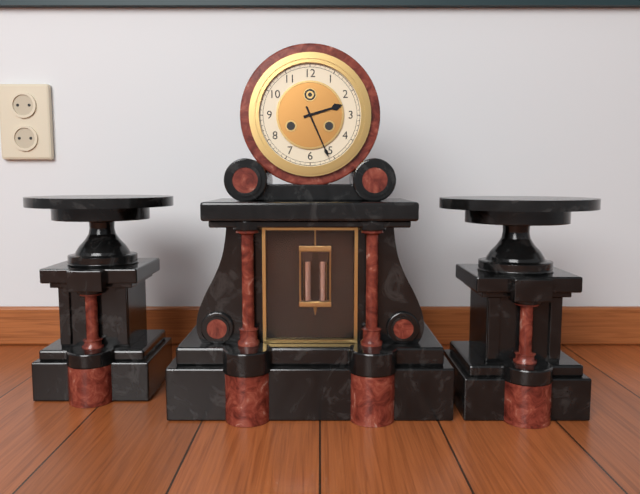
2:26
